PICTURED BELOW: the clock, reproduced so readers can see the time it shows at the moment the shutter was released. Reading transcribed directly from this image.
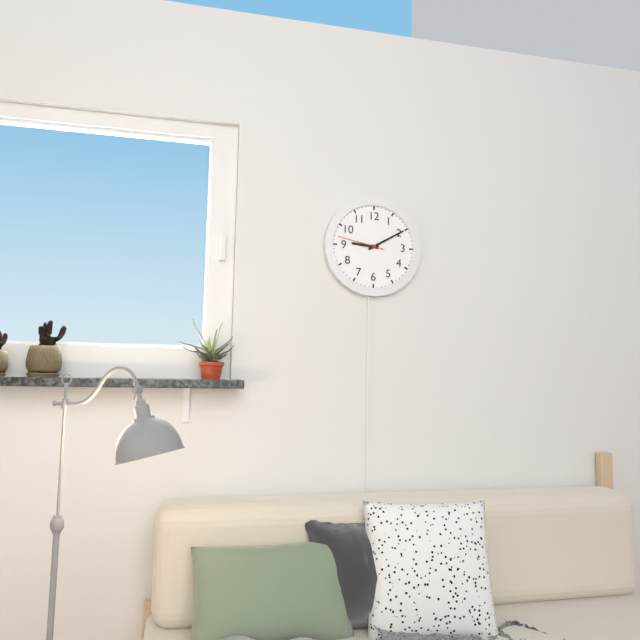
9:10
